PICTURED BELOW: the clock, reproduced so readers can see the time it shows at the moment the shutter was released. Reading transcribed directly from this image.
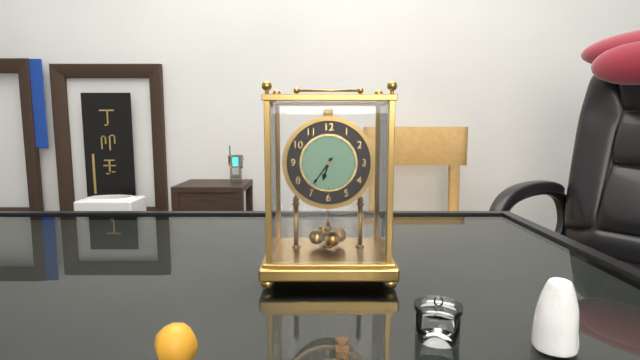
6:36
